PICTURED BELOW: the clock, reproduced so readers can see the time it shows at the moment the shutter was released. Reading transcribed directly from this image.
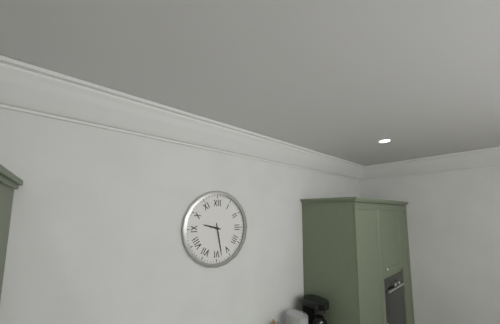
9:28
